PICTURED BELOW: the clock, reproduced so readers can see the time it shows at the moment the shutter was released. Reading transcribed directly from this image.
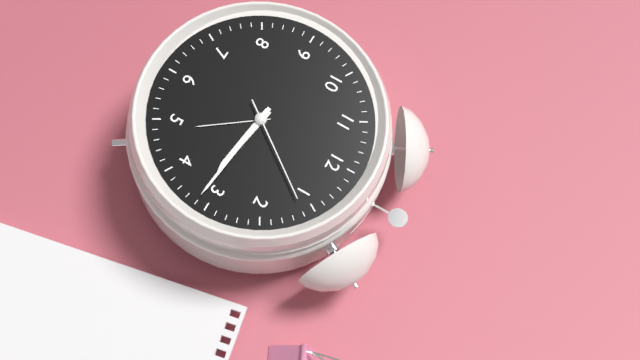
3:16:06
